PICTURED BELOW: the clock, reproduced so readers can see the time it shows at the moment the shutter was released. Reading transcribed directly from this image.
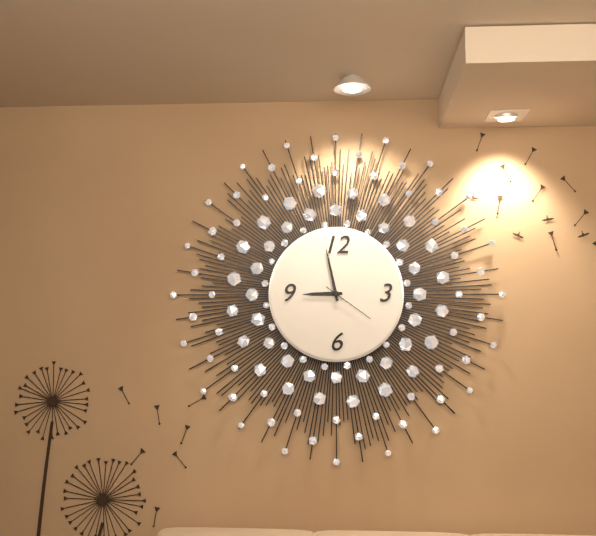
8:58:21
